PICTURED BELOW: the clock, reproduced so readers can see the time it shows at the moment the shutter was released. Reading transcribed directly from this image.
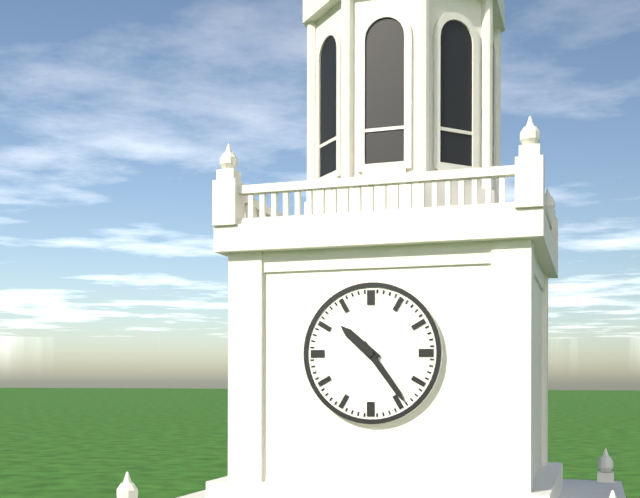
10:24
